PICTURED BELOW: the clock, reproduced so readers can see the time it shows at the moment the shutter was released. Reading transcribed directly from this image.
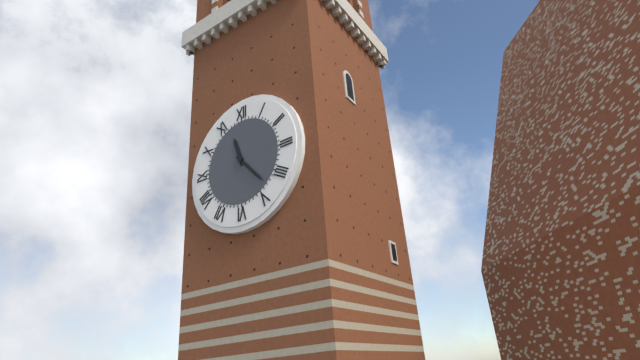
11:23
